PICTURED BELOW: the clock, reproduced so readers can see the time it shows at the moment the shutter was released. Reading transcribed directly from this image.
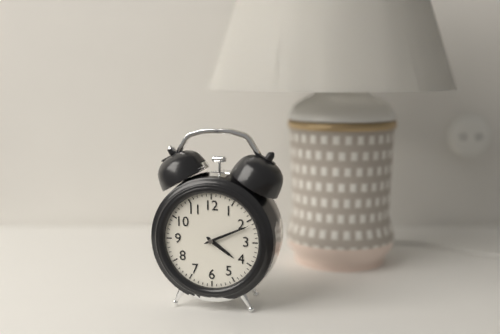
4:11
